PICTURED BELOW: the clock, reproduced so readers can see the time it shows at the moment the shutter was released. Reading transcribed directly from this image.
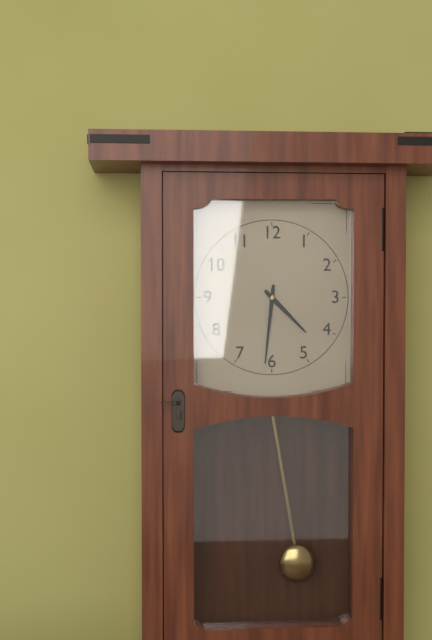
4:31
